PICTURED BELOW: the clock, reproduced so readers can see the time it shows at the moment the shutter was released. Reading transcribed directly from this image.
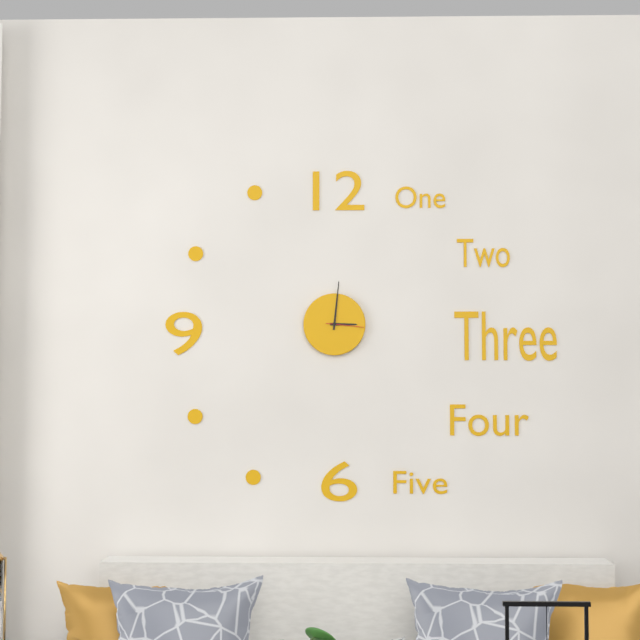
3:01
